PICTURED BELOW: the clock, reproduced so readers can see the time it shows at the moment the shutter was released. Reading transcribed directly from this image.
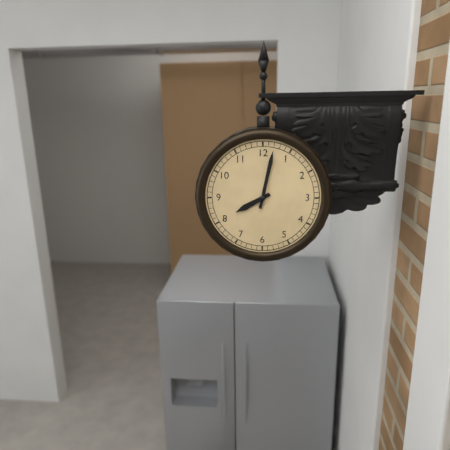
8:02
